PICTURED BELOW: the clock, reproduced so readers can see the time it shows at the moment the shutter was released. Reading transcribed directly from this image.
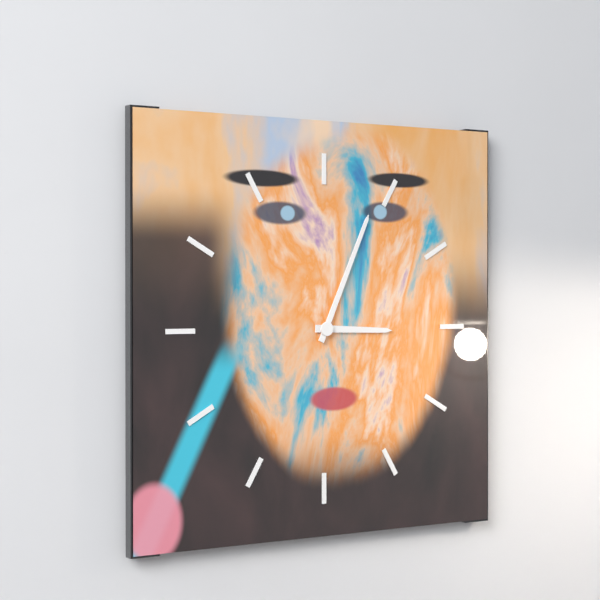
3:04
